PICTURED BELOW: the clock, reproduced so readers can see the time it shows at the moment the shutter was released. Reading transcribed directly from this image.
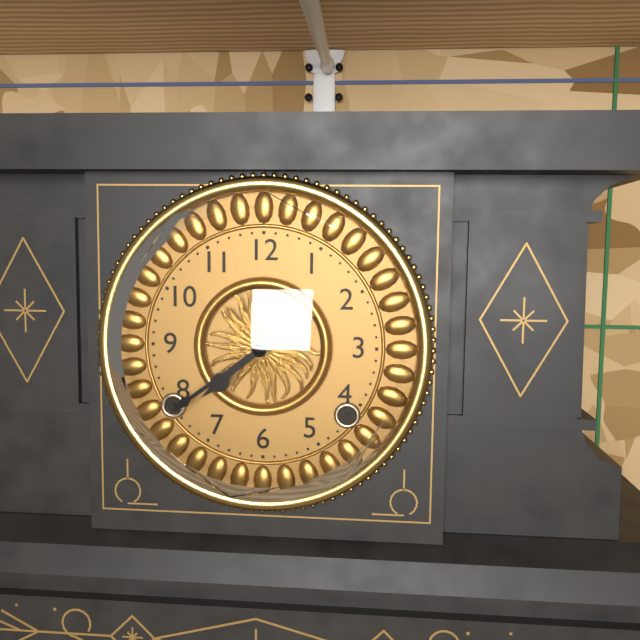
7:39
